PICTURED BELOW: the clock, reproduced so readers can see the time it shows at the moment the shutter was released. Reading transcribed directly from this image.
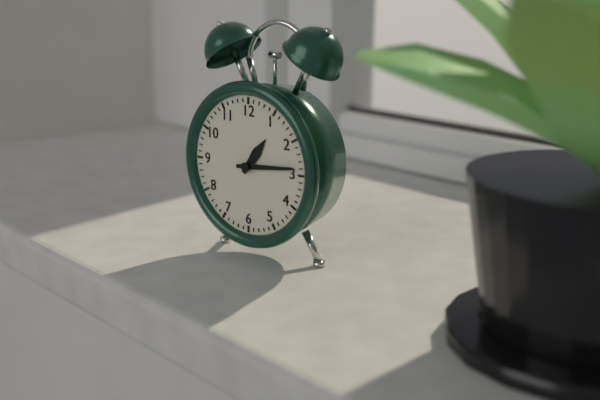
1:14
